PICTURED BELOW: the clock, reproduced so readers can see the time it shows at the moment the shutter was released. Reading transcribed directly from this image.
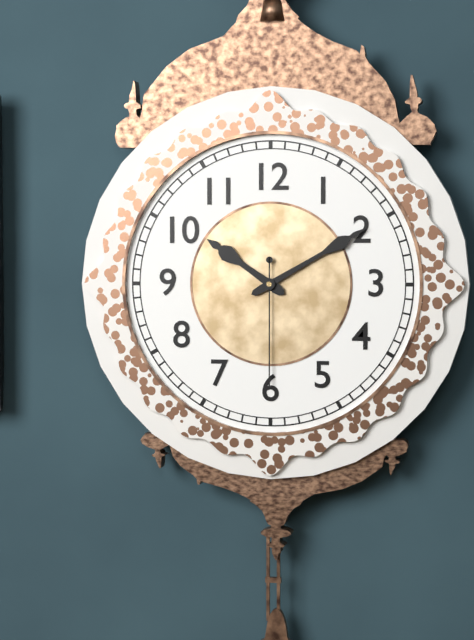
10:10:30
